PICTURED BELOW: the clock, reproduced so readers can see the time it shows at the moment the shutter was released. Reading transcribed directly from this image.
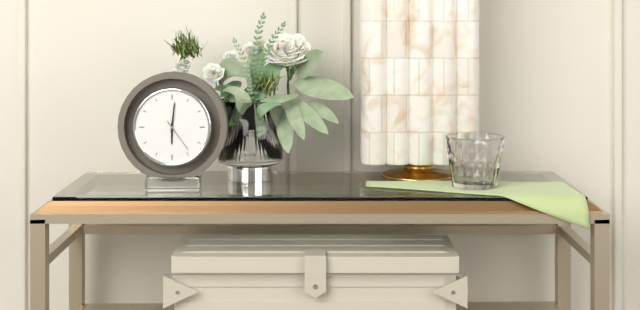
6:01
